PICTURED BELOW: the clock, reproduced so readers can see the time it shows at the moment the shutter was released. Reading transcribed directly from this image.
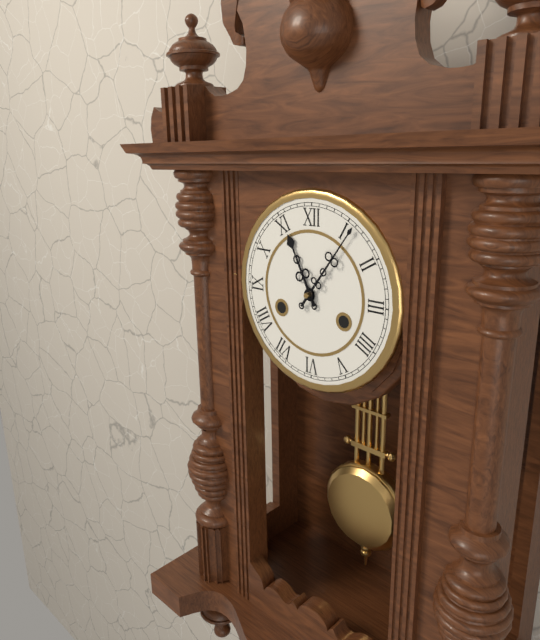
11:06
